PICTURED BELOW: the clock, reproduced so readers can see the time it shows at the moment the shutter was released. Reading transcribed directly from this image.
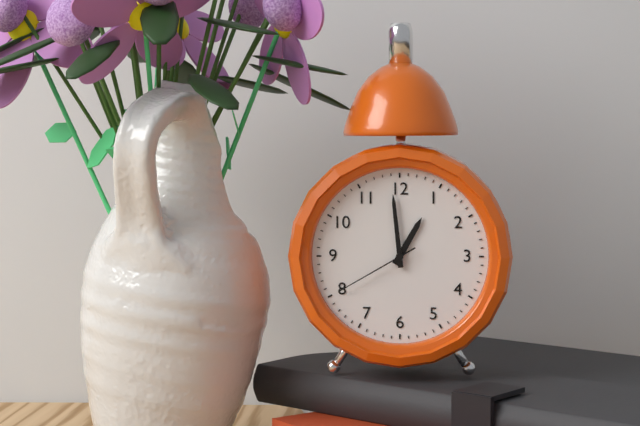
12:59:40
